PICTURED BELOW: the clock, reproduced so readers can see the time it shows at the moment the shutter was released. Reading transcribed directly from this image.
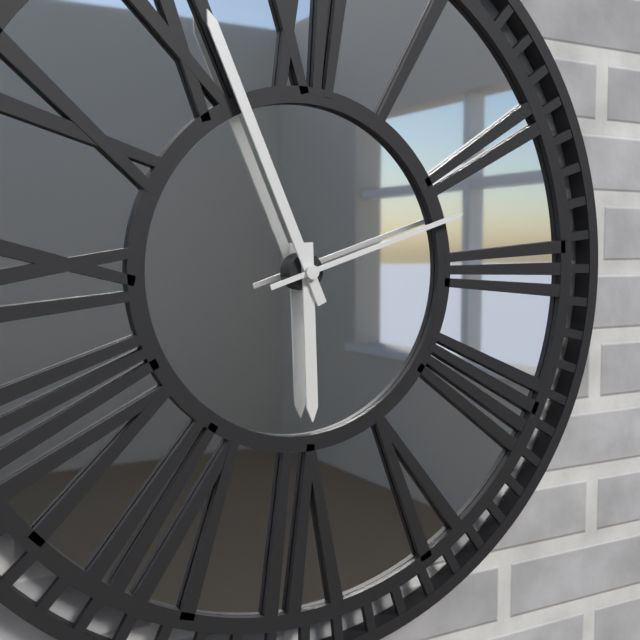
5:56:12
